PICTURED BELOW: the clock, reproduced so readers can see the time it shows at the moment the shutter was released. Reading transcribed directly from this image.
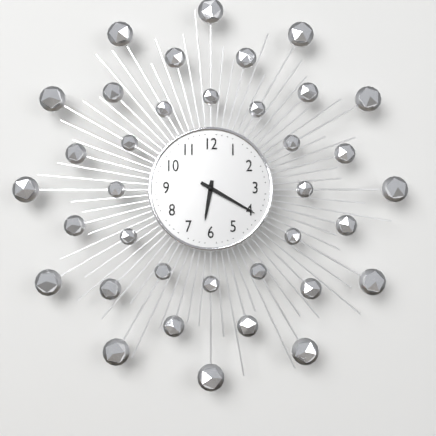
6:20
